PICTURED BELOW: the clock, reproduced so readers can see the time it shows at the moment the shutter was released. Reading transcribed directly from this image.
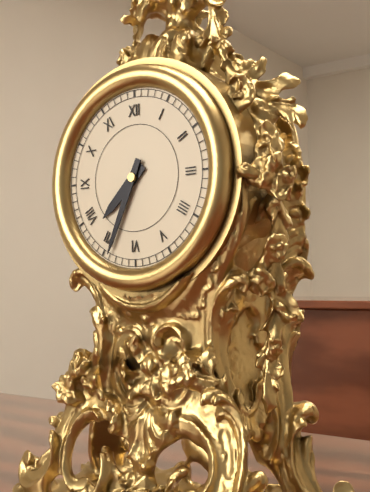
7:34
